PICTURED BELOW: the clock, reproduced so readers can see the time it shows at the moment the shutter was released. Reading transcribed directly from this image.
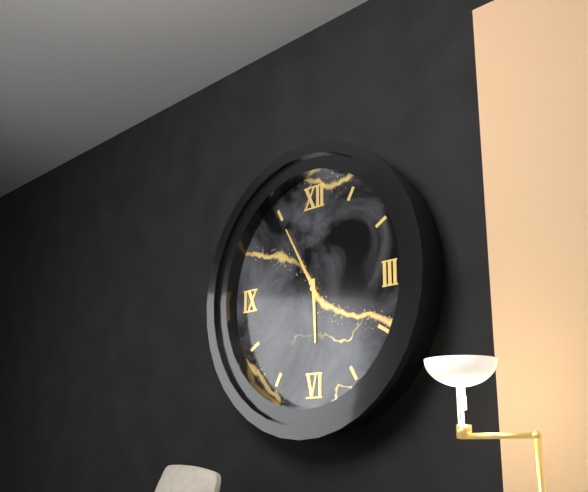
5:55
